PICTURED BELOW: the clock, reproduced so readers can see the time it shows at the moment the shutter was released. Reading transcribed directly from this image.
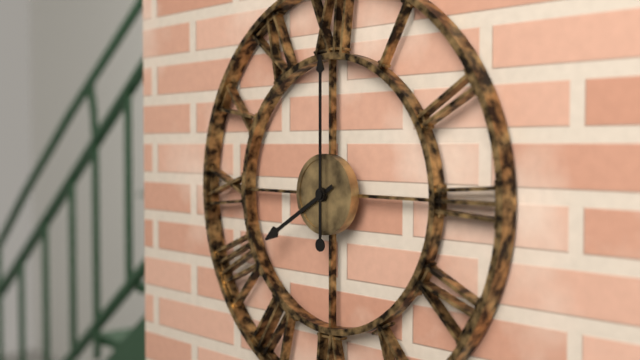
8:00
